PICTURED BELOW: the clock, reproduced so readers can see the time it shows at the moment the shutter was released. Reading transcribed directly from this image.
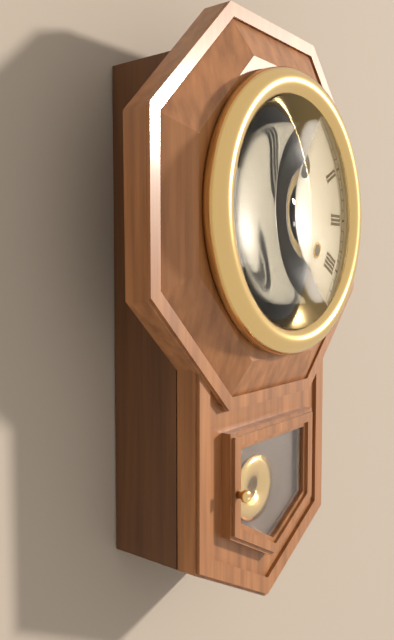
12:59
